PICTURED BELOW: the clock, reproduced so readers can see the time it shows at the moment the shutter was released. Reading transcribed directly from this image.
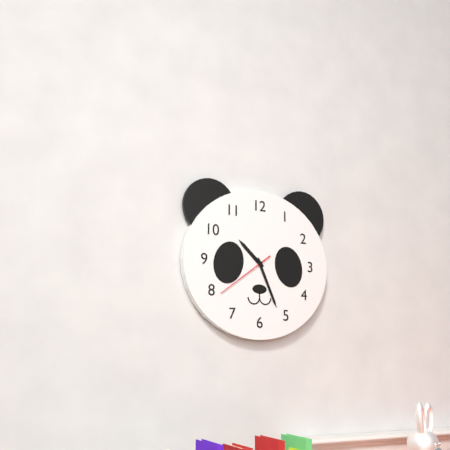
10:26:39
